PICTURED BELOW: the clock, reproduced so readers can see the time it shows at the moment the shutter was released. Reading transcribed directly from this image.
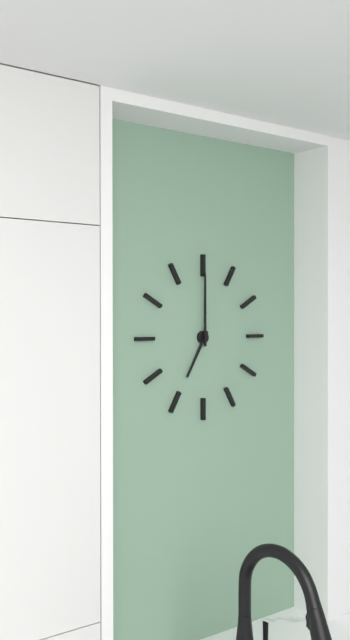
7:00
